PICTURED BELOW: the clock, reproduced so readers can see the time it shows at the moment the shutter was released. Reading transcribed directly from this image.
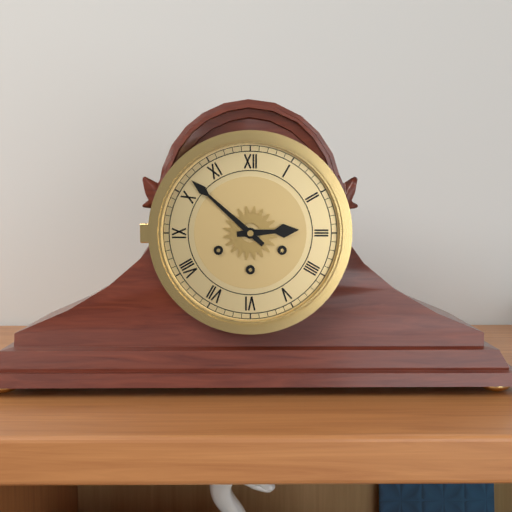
2:52
